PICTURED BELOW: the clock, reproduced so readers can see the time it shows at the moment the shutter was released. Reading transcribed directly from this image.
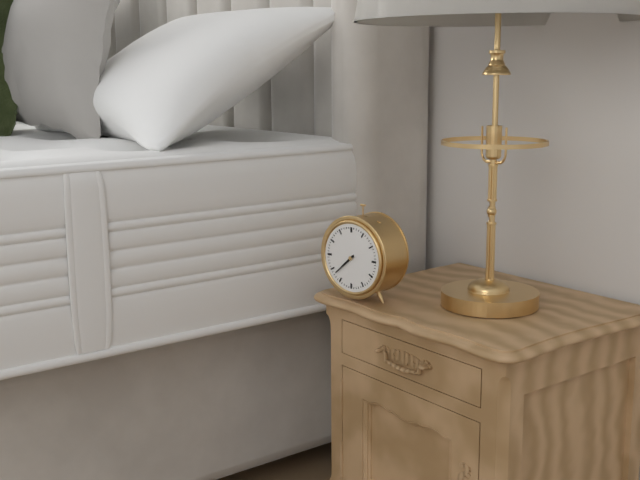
7:38
